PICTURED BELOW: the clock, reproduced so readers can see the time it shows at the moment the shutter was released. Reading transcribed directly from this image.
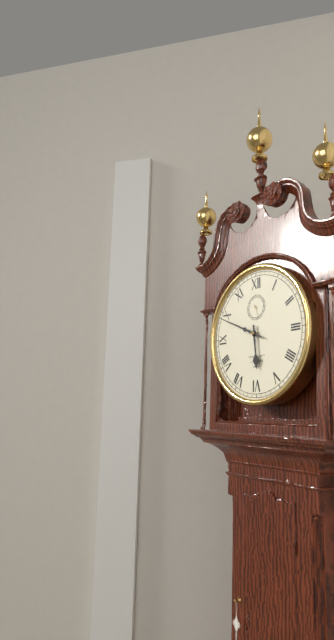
5:49
